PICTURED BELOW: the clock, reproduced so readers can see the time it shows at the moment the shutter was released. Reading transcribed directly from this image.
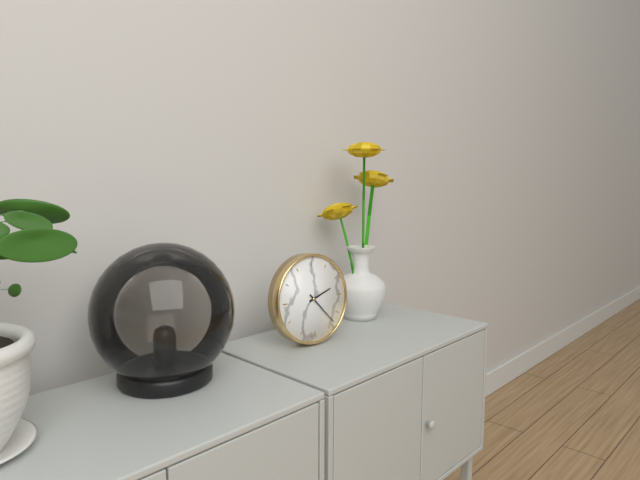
2:23
